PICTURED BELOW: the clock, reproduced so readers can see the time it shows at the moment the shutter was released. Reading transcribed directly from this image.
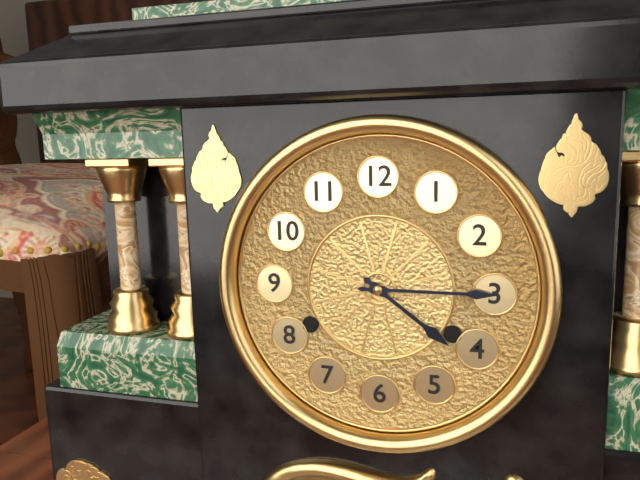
4:15
